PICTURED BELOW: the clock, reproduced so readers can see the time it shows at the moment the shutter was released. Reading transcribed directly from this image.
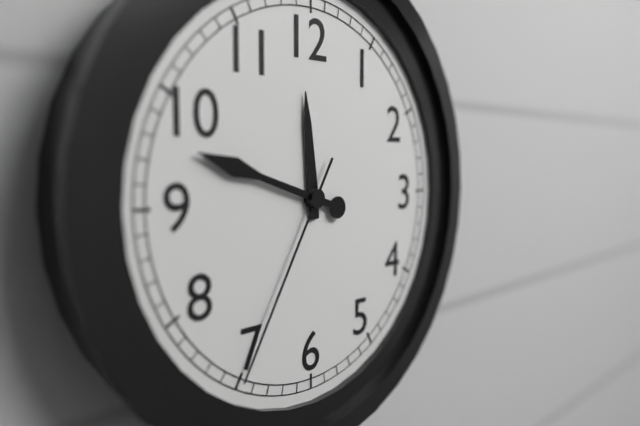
11:48:35
